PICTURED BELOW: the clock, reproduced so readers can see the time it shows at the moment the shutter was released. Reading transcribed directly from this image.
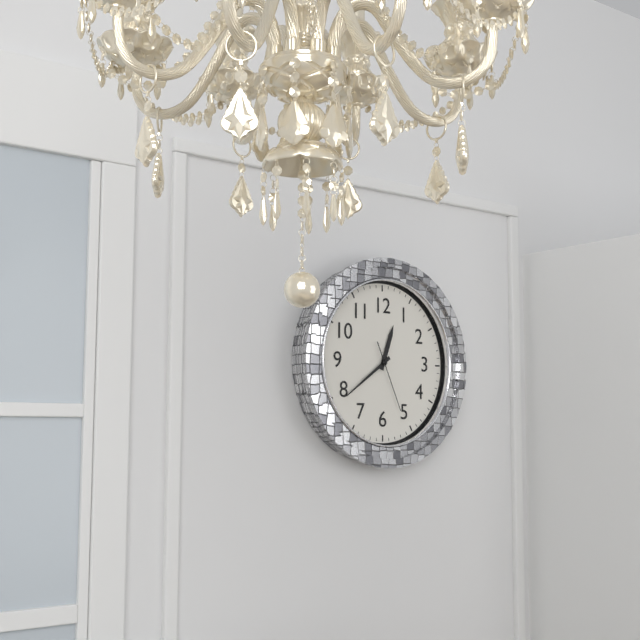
12:39:26
